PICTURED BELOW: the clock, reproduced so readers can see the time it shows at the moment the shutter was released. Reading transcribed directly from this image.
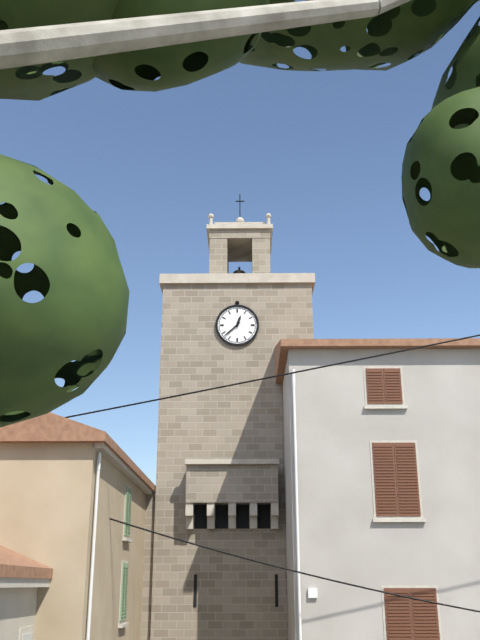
12:38
